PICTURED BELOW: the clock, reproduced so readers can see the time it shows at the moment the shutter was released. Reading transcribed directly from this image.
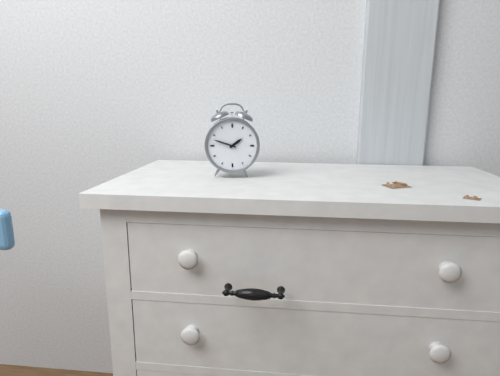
1:48
